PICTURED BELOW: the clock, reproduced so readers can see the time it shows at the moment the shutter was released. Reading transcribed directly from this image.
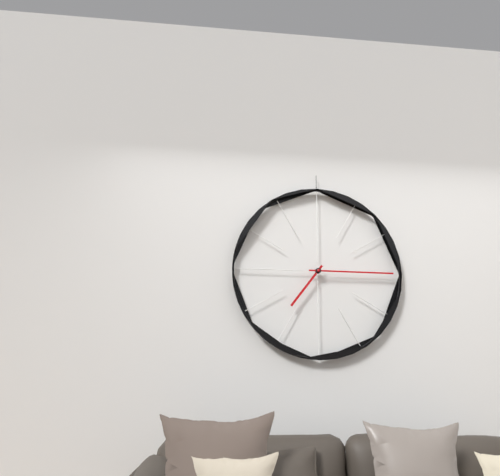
7:15
